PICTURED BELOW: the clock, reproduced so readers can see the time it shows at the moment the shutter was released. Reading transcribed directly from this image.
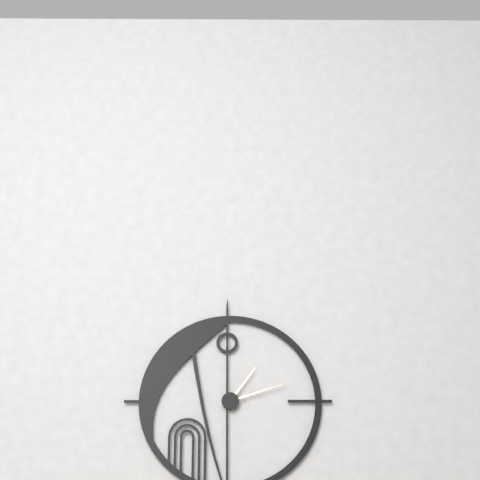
1:12
